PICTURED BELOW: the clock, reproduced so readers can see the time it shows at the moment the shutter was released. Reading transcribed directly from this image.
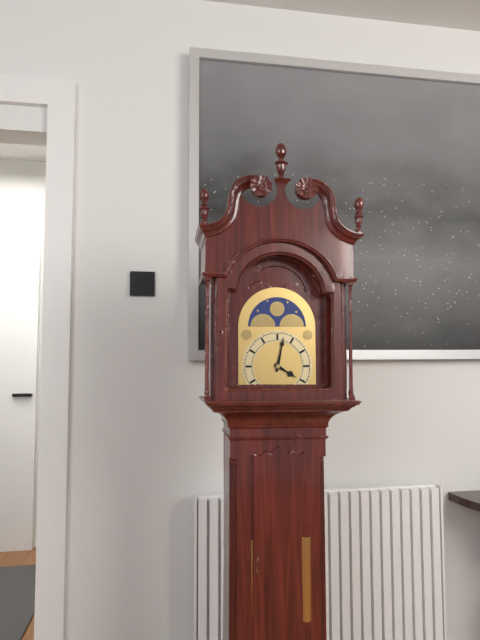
4:02
